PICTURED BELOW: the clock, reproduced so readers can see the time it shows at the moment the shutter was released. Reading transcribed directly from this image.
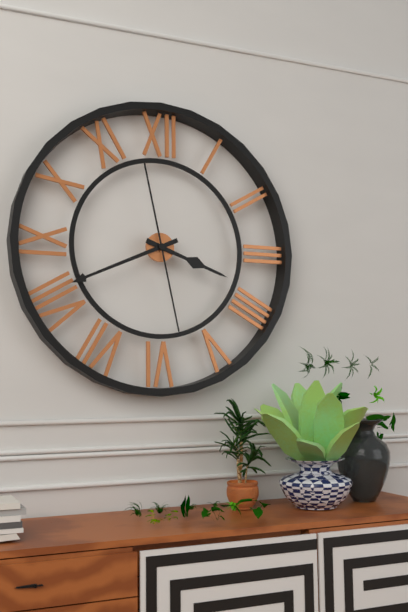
3:41:28
